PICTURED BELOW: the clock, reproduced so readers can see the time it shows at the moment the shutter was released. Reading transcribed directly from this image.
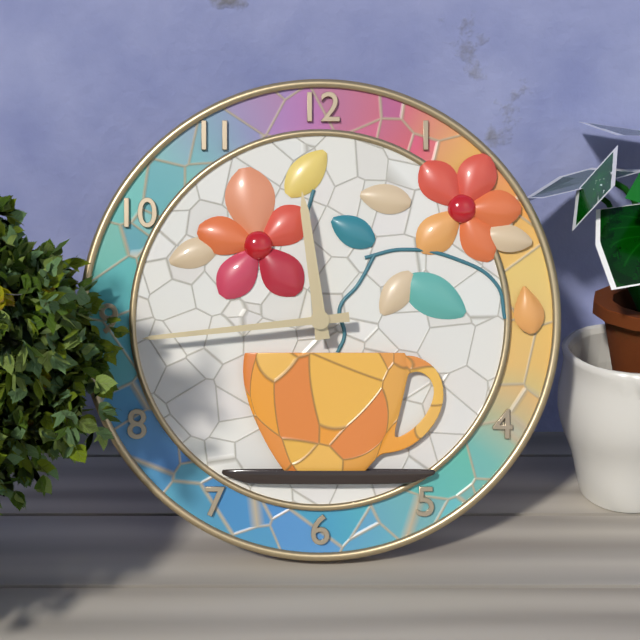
11:44
